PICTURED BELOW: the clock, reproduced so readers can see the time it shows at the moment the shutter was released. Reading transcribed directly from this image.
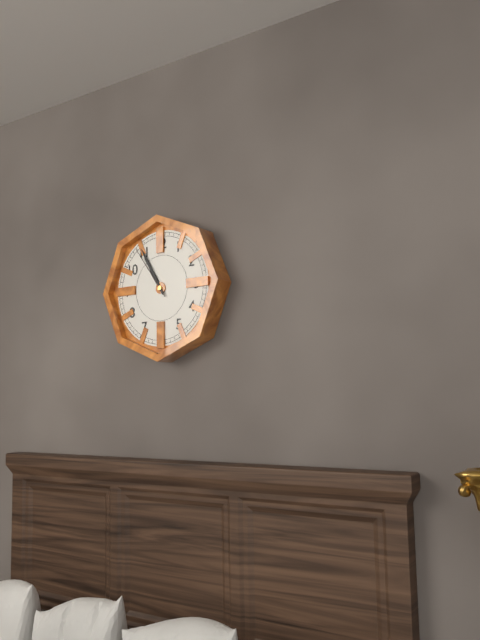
10:55:54
